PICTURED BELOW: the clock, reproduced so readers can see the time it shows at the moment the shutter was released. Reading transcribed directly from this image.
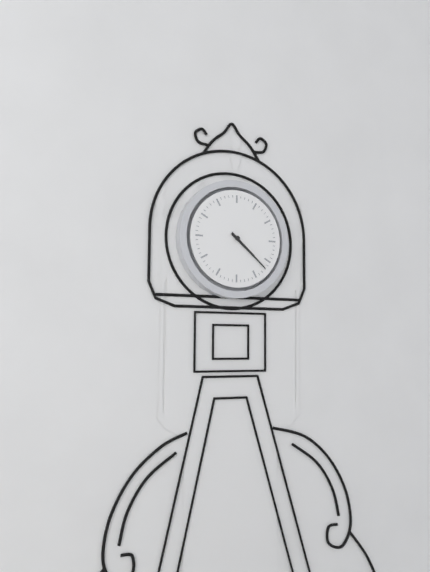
4:22
